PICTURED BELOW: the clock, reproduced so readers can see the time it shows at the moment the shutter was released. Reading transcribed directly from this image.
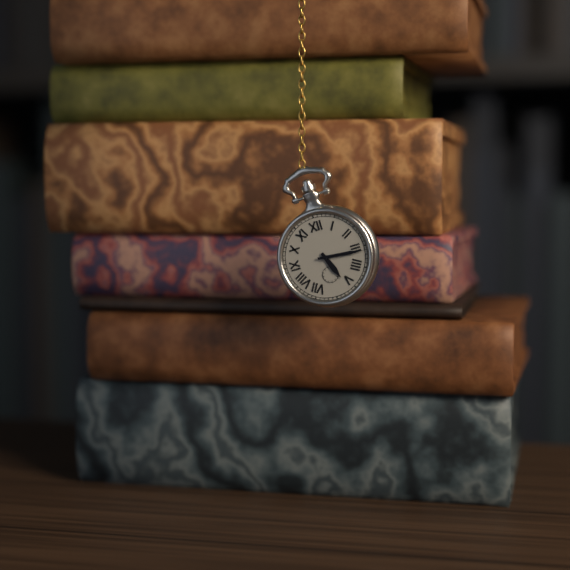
5:16
